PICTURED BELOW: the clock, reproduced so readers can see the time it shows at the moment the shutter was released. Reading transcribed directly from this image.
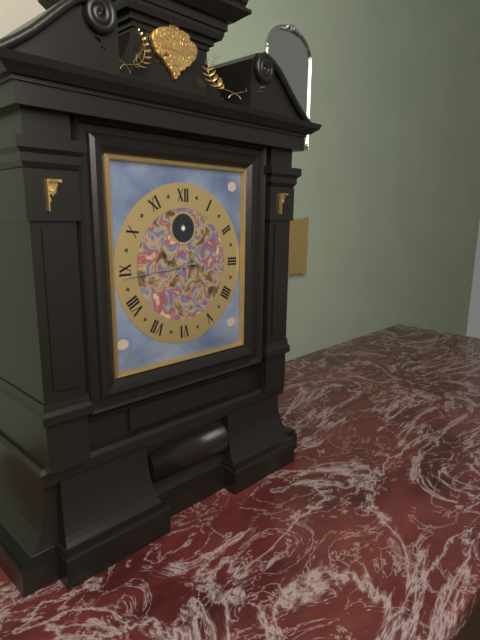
1:44
